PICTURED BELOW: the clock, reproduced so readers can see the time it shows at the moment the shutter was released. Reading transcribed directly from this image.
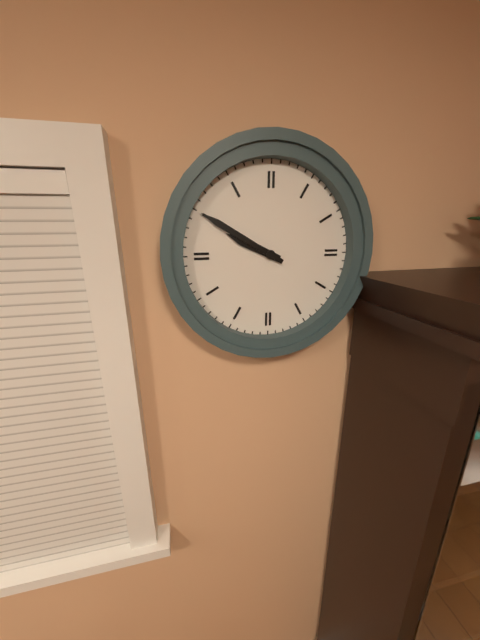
9:50
